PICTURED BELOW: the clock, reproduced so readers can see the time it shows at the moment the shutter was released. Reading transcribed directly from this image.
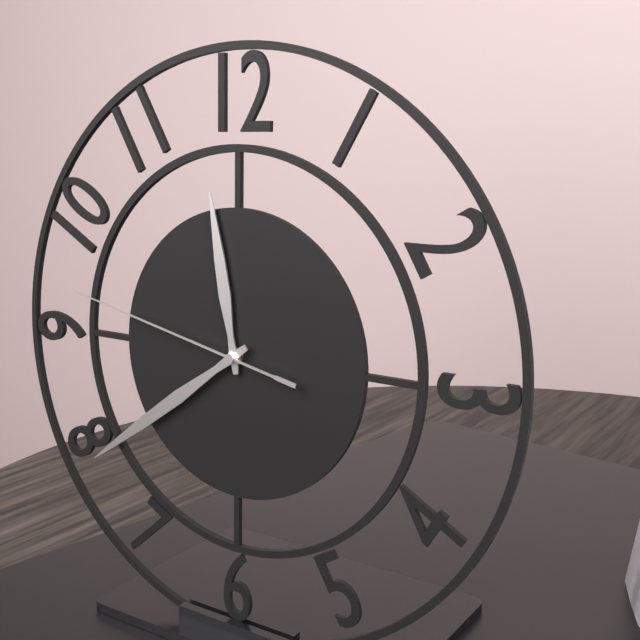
11:39:47
